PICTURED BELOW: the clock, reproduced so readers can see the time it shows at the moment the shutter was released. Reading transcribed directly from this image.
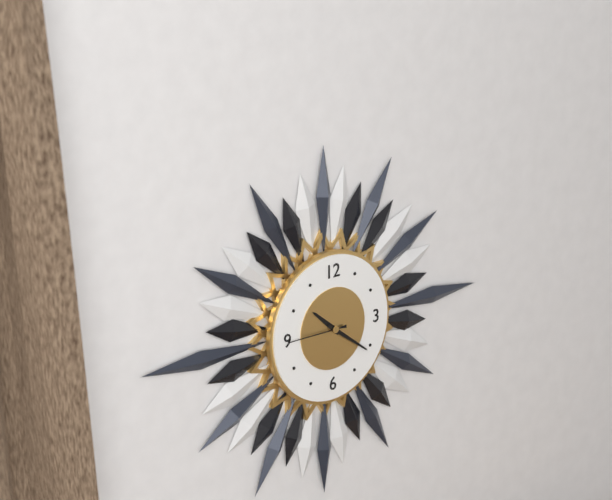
10:21:45
